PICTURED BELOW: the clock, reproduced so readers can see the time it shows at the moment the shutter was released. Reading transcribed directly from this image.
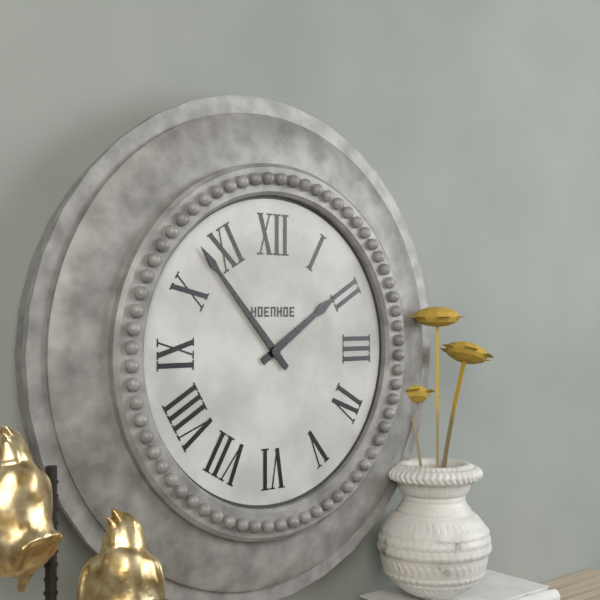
1:53
